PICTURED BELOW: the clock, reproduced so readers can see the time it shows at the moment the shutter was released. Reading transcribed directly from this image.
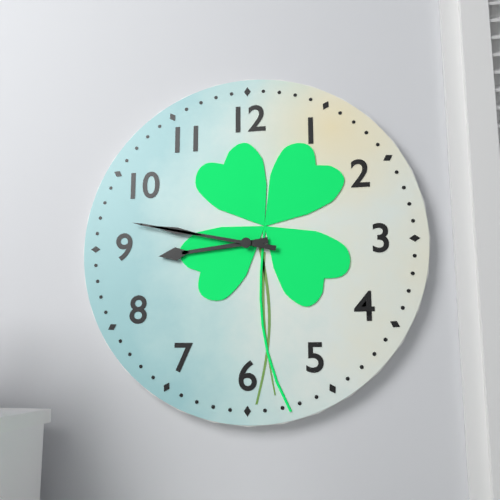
8:47
